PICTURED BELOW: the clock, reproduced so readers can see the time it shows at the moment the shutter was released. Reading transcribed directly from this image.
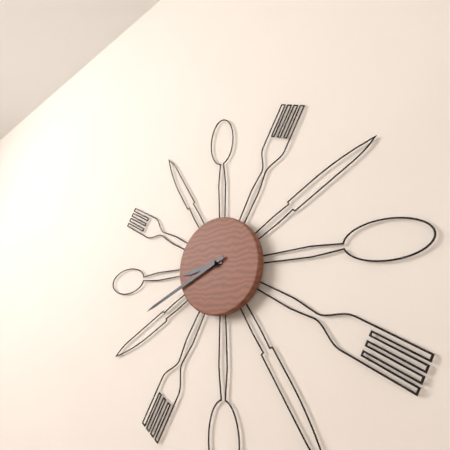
8:41
